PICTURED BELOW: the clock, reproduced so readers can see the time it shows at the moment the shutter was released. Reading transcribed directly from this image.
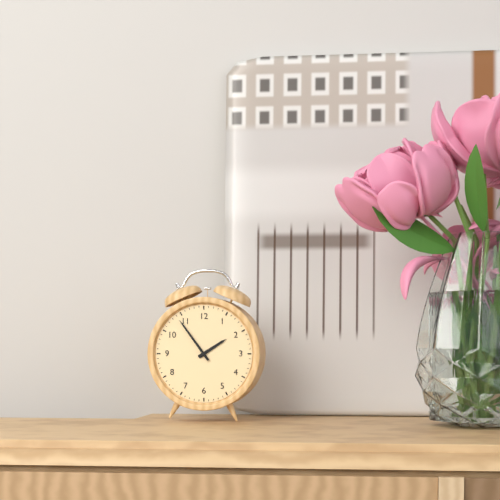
1:54
